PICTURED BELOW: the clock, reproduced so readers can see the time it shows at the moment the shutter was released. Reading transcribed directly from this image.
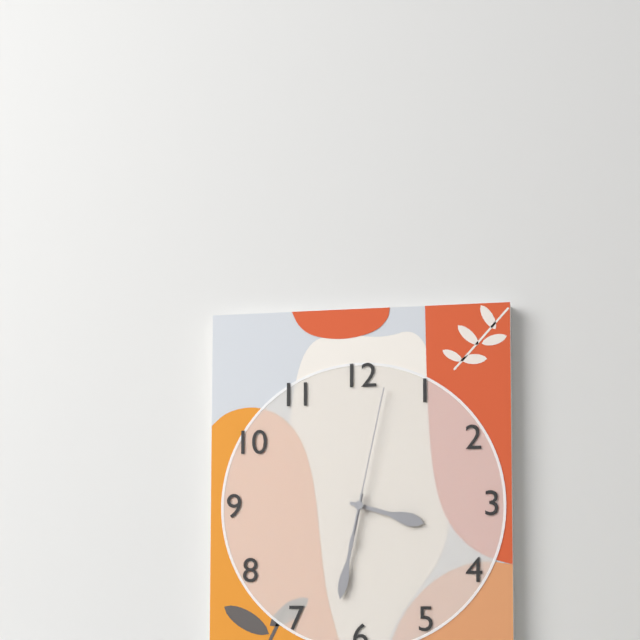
3:32:02
